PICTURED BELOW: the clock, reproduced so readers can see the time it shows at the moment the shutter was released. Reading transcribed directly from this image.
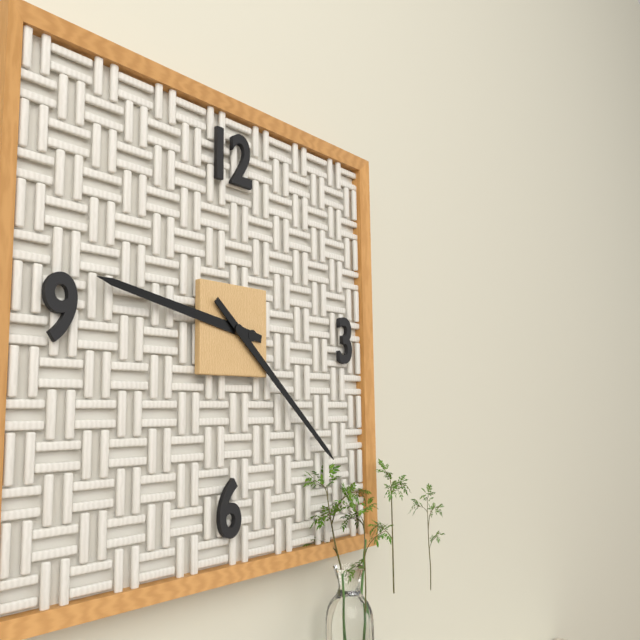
9:22
